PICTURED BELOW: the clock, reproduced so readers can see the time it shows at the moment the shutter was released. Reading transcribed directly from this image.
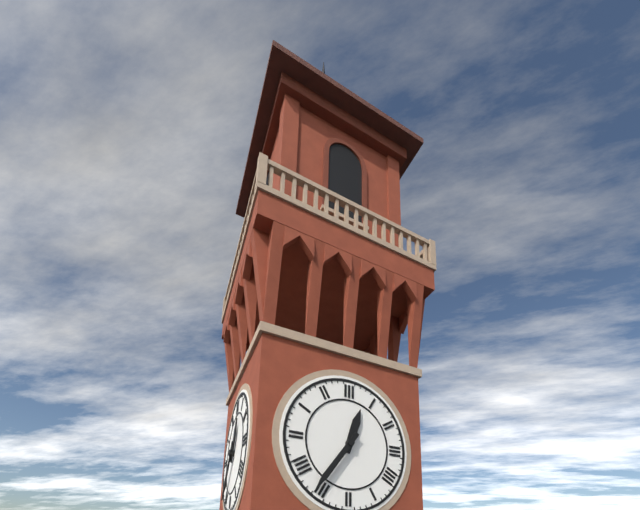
12:36
